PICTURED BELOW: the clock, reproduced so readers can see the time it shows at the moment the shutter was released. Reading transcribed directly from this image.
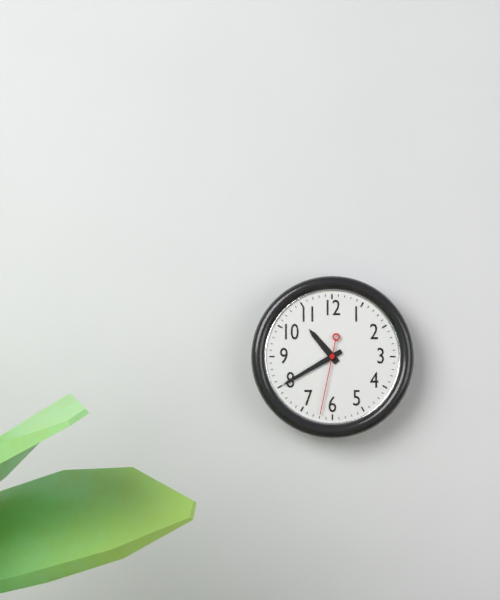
10:40:32
